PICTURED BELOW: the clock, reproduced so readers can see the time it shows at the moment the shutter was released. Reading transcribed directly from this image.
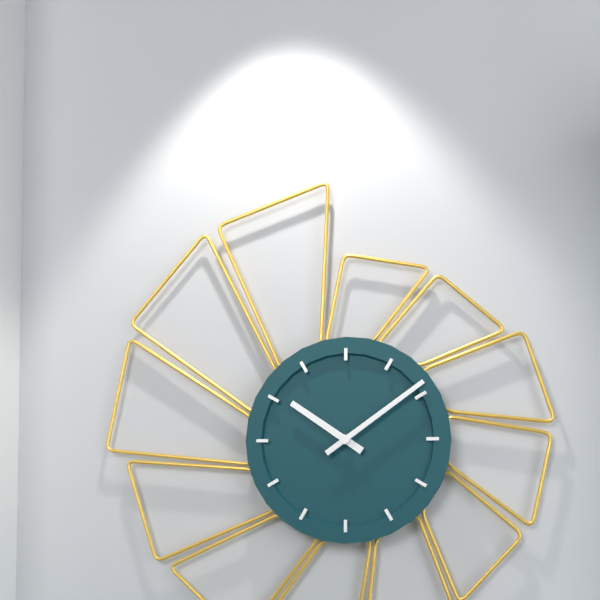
10:09
